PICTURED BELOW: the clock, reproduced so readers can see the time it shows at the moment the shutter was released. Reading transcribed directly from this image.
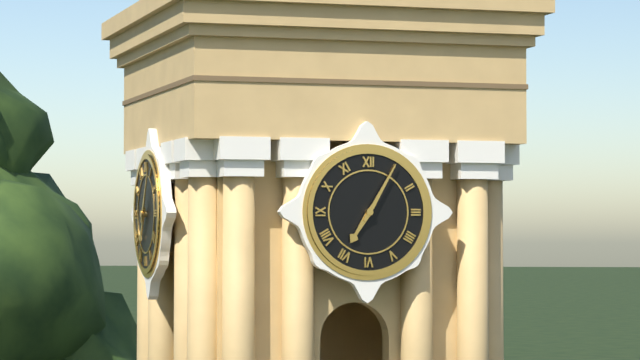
7:05
